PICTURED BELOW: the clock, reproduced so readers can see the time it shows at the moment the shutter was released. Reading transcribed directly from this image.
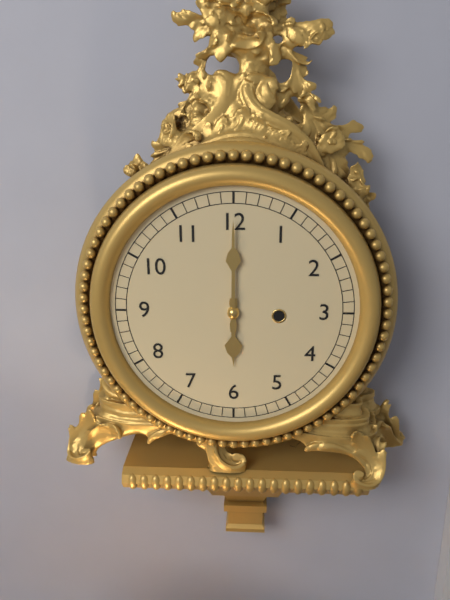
6:00
